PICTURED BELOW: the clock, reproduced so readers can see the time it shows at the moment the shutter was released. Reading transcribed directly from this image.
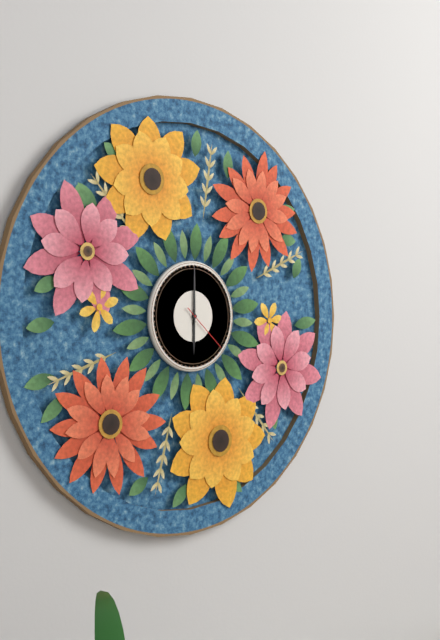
6:00:22
